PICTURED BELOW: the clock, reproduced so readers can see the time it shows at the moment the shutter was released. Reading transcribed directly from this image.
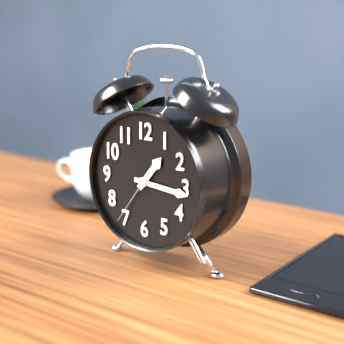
1:16:36
